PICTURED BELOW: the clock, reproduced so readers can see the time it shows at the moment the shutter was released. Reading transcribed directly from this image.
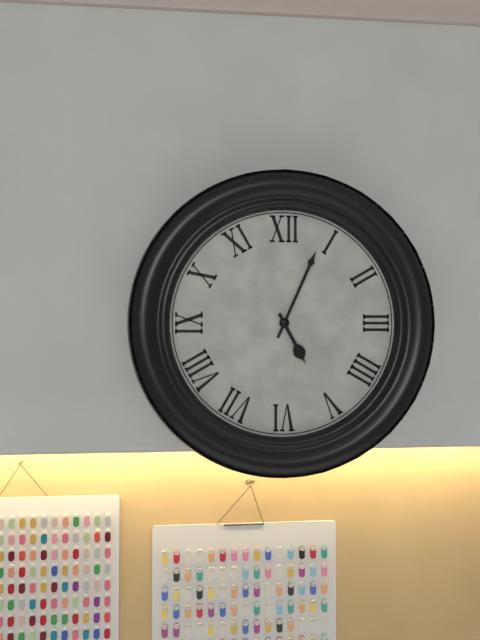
5:04
